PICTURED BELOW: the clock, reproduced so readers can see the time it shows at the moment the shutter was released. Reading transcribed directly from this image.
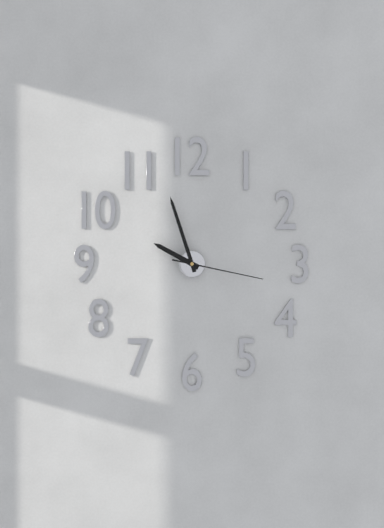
9:57:17
